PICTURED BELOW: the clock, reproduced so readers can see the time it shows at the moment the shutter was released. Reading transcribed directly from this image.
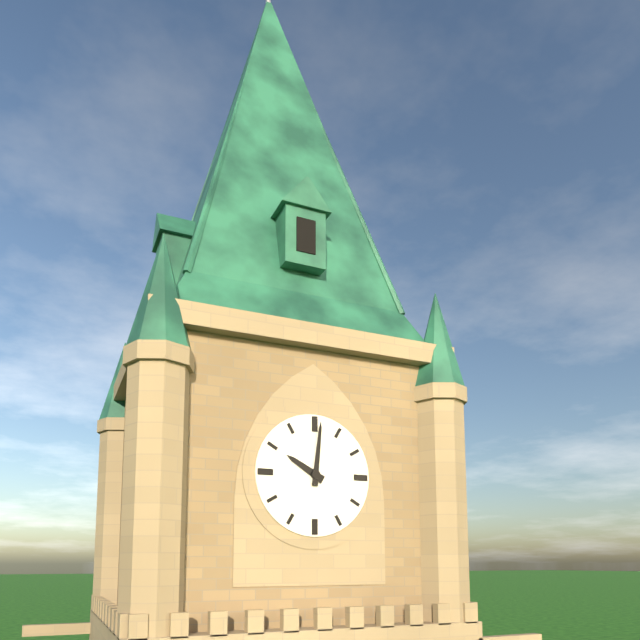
10:01
